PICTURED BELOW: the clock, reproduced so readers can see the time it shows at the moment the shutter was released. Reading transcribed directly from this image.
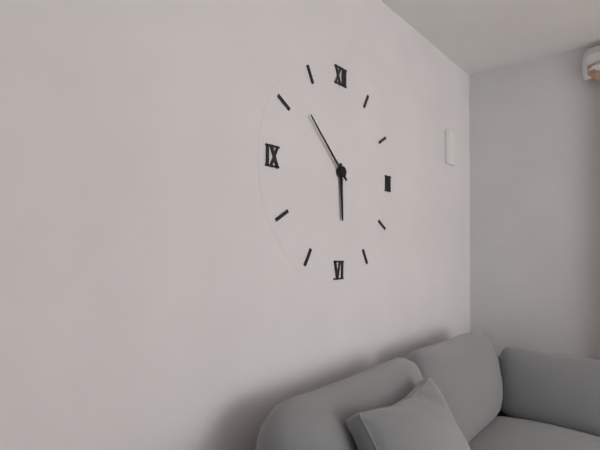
5:52
